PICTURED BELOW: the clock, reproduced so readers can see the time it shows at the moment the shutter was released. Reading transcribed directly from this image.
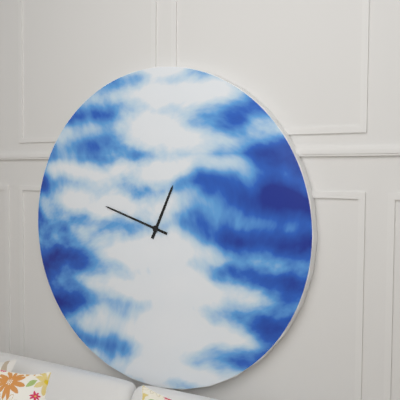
12:48
